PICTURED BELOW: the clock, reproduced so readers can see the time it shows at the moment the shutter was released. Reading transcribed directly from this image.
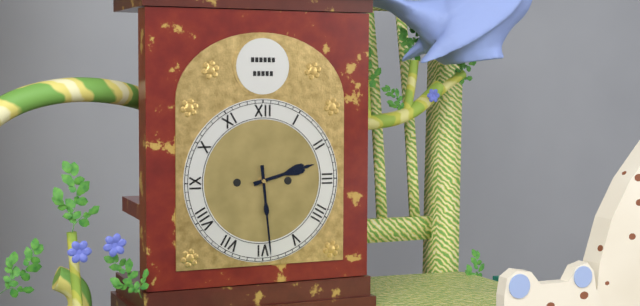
2:29
